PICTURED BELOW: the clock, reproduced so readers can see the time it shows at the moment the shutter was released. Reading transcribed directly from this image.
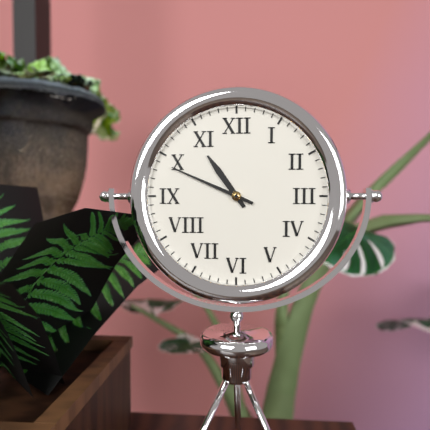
10:49
